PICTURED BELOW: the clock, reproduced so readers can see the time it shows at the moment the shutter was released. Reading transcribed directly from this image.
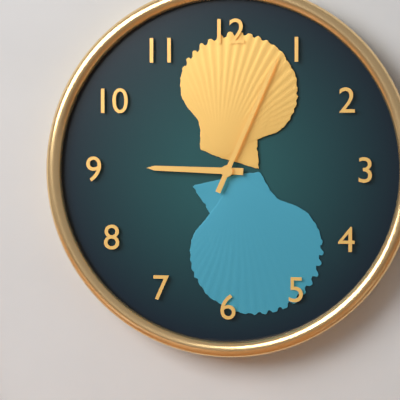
9:04
